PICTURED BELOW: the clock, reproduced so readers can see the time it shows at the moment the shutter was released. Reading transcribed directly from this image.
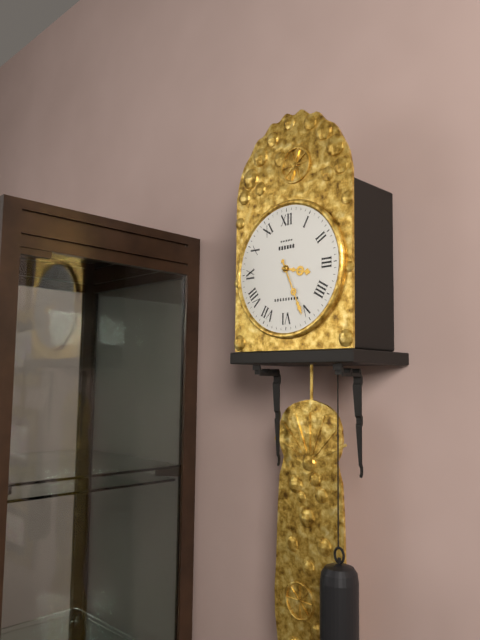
3:26
